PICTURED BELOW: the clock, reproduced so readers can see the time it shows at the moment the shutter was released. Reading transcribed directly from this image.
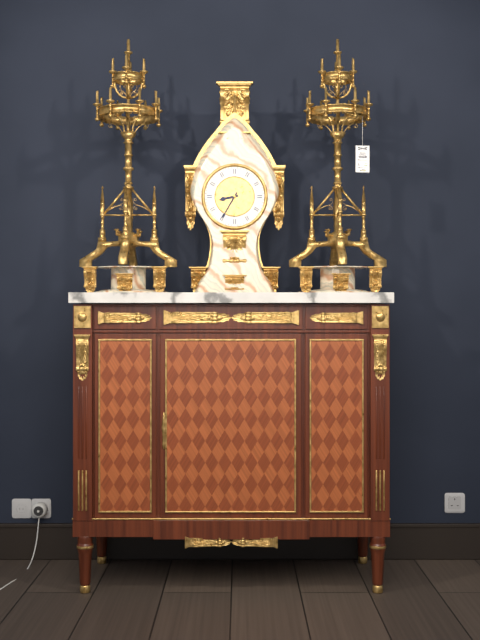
8:35
